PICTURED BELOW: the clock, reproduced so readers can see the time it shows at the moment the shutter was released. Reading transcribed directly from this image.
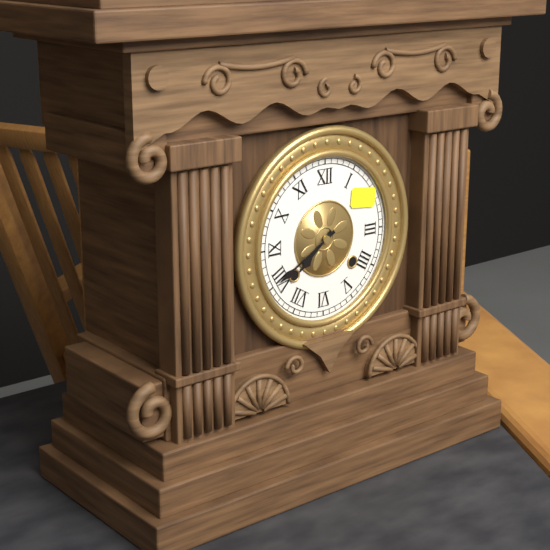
7:40
